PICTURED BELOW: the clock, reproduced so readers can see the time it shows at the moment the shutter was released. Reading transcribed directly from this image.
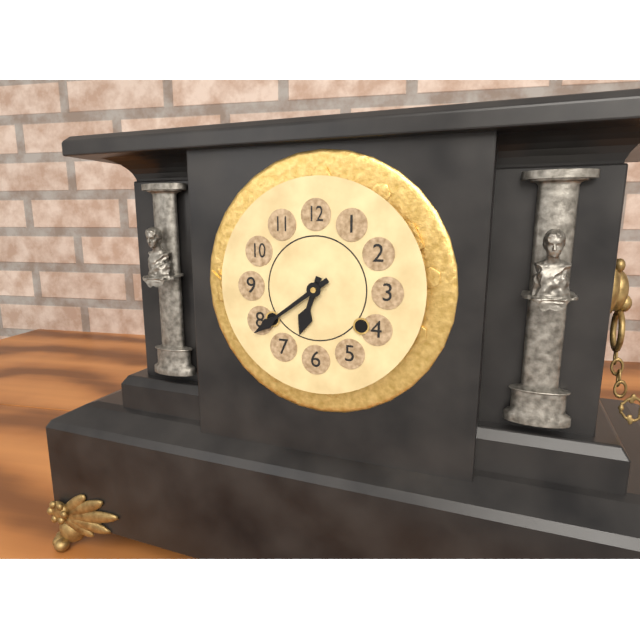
6:39
